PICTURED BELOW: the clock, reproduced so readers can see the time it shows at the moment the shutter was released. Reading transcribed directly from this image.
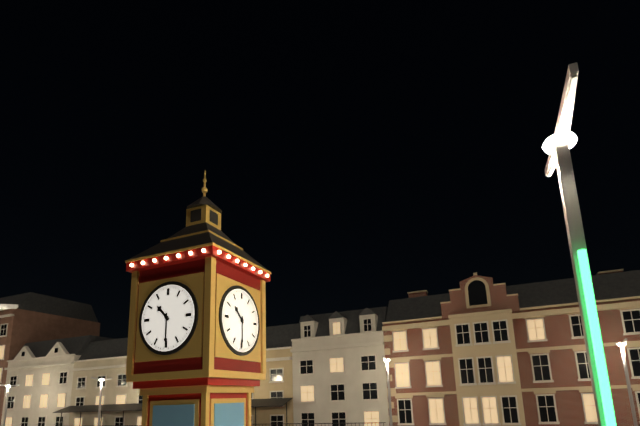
10:30
